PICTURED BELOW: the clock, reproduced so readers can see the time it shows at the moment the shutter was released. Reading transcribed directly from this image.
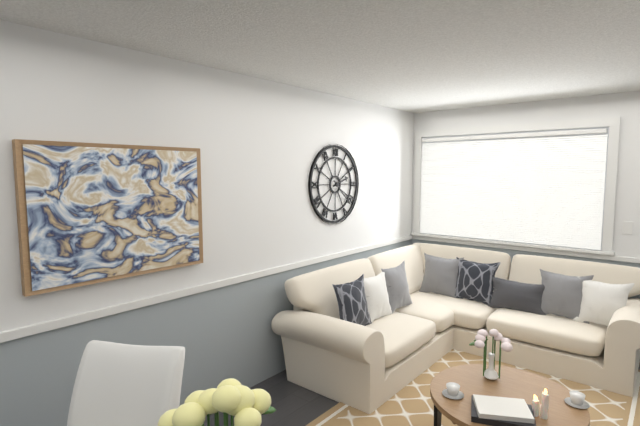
2:22
